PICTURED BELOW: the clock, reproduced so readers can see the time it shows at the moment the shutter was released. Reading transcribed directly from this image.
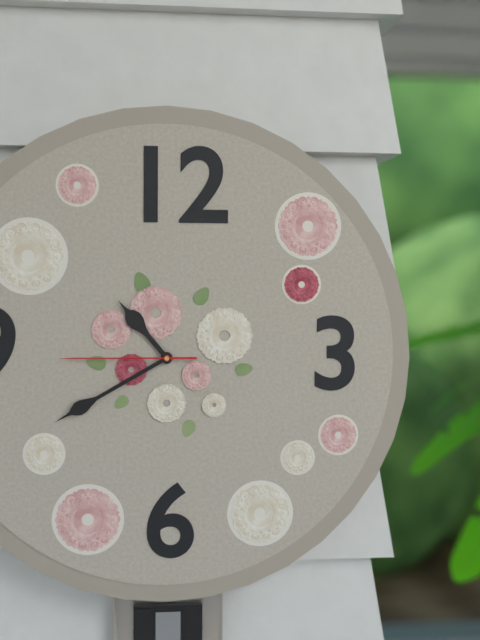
10:40:45
